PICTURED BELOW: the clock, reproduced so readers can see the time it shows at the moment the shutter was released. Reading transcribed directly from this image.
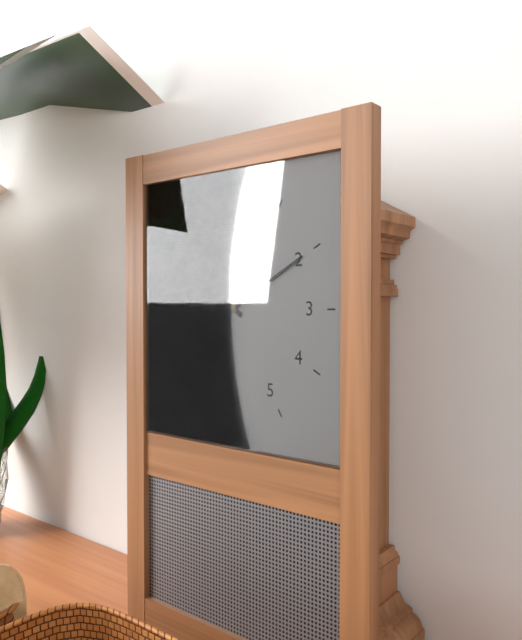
10:10
